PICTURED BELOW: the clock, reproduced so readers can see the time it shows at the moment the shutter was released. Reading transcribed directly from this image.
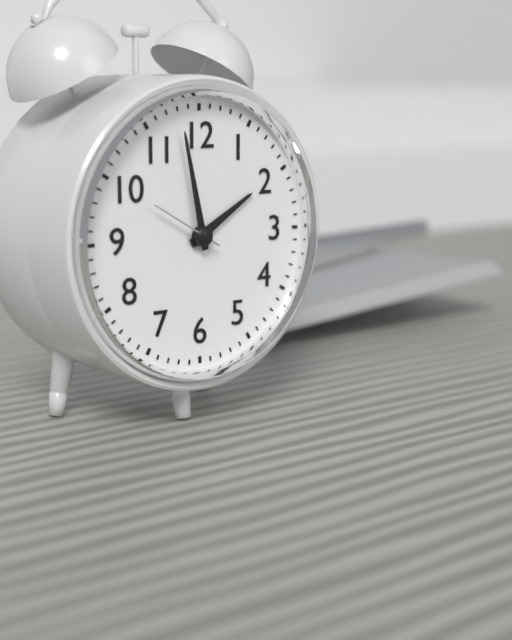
1:58:50
